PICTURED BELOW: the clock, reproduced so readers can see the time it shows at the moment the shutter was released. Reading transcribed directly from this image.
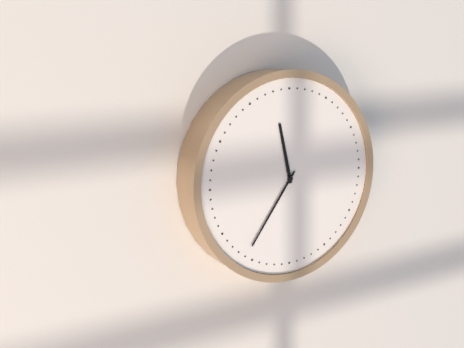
11:36
